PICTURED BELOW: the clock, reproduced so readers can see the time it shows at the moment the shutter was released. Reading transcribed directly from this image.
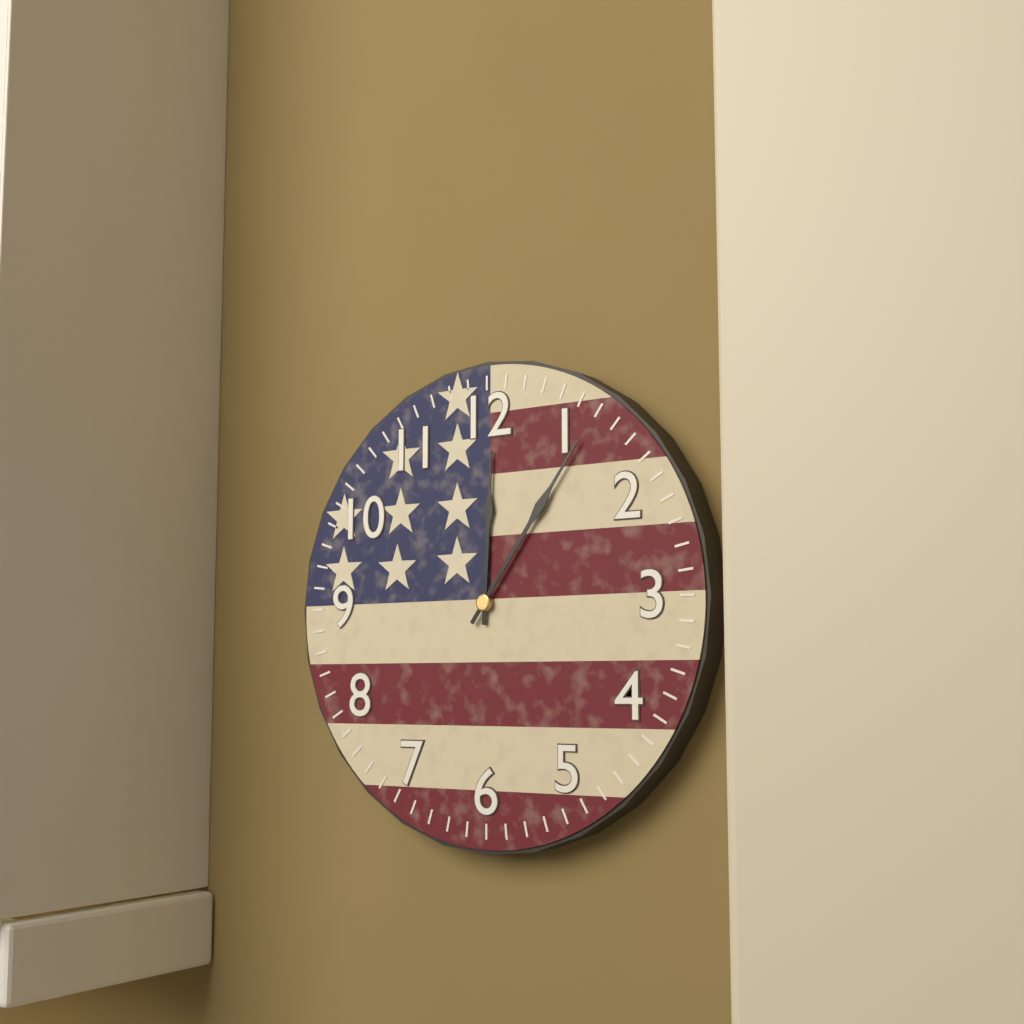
12:06
